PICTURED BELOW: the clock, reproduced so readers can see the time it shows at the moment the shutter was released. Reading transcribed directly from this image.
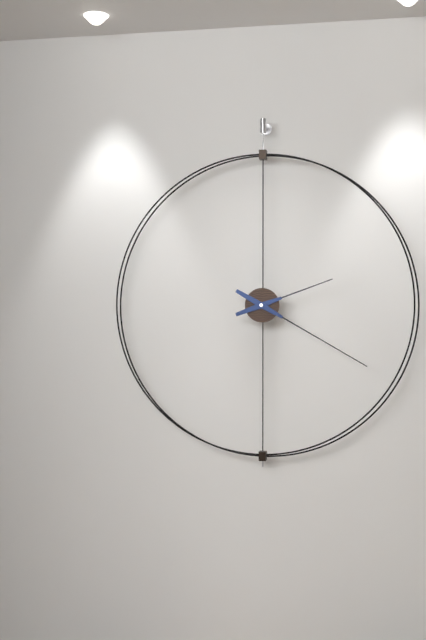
2:20
